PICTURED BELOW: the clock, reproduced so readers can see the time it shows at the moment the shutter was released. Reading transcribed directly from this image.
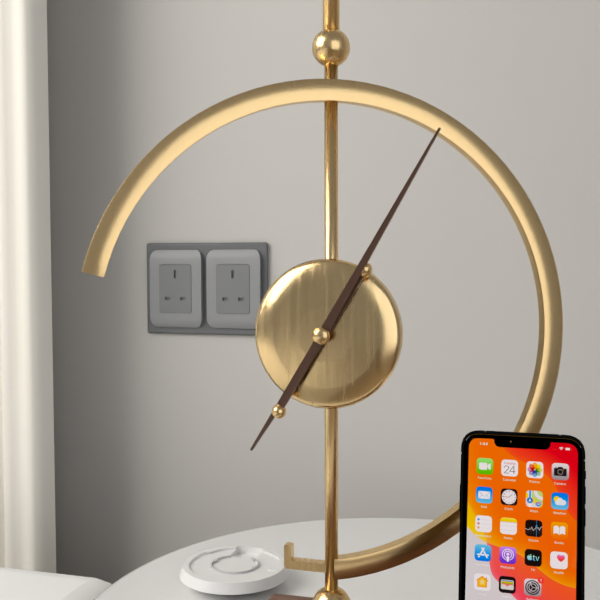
7:05
